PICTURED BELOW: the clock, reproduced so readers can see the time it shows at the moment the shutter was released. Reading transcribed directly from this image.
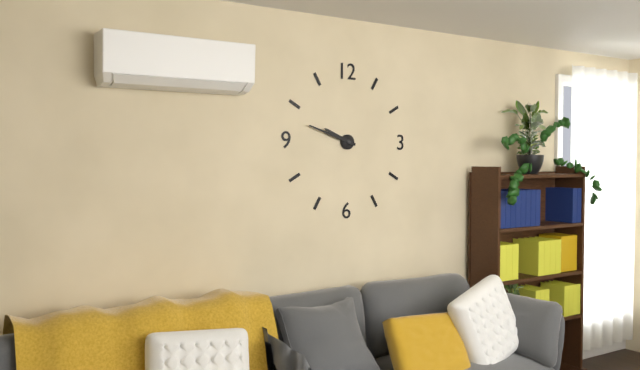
9:48
